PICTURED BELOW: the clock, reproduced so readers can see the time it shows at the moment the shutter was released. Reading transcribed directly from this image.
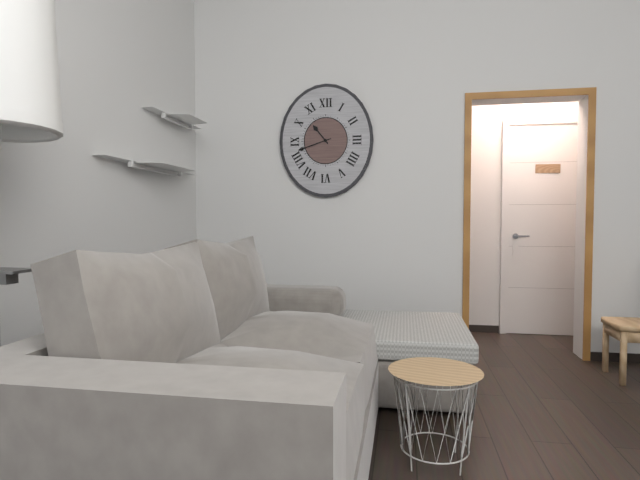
10:42
